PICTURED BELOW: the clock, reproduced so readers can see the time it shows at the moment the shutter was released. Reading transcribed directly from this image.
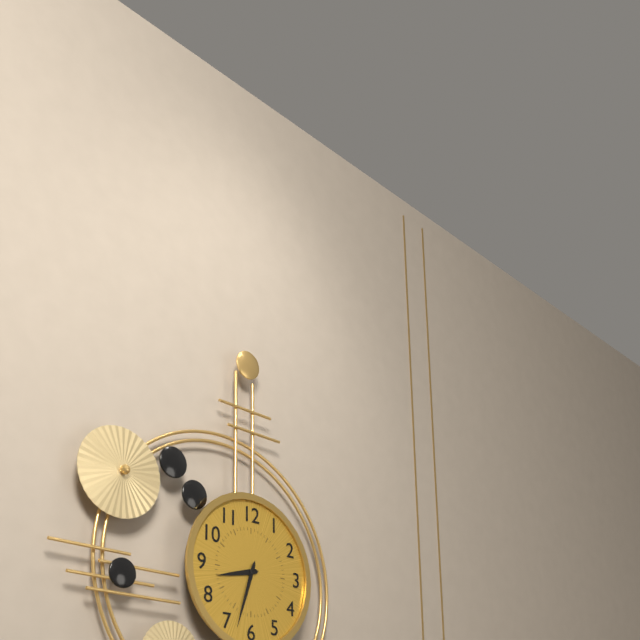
8:33
